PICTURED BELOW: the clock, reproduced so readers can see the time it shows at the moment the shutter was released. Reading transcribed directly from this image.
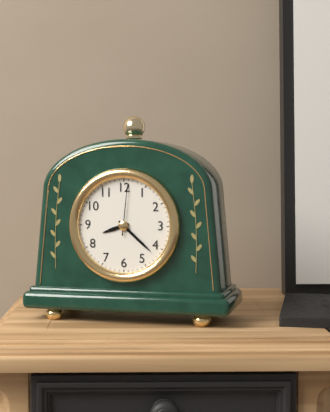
8:22
